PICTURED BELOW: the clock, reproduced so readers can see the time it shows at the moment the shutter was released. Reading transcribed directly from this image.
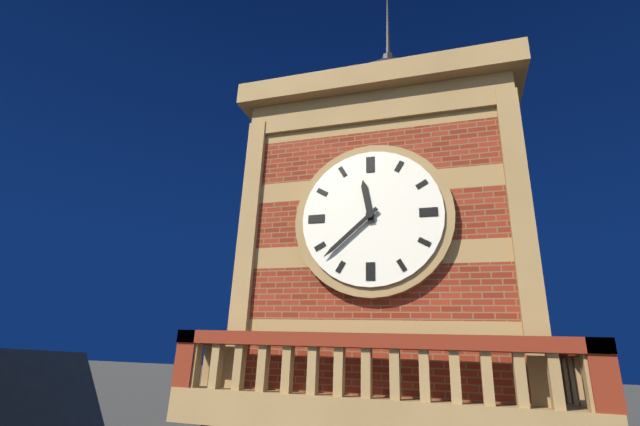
11:38
